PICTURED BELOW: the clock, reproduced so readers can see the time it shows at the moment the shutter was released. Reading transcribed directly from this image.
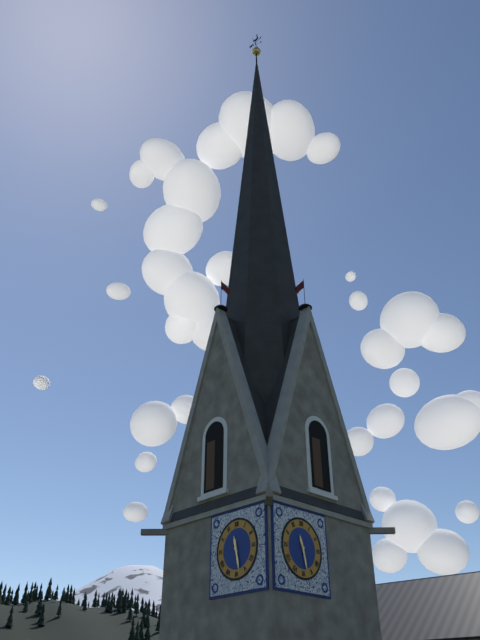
11:28
